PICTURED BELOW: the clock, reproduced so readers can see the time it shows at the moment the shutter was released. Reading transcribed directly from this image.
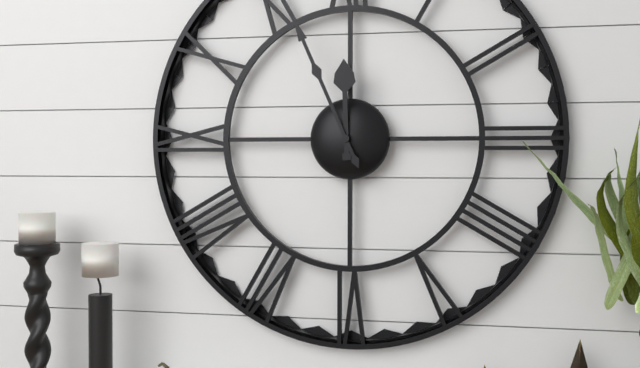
11:56
